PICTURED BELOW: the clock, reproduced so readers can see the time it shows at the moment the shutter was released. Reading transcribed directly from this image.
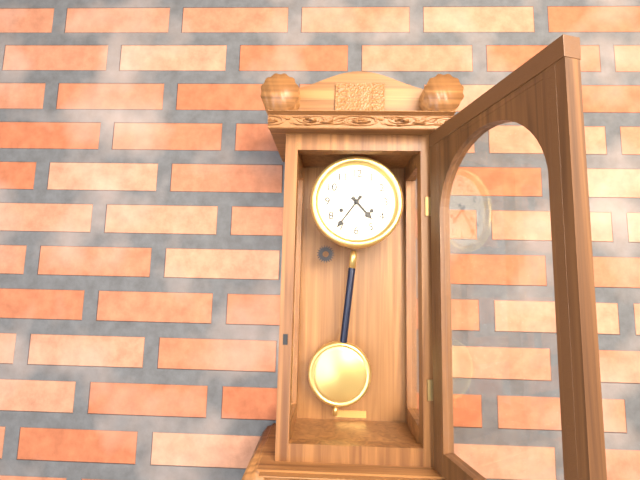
4:36
